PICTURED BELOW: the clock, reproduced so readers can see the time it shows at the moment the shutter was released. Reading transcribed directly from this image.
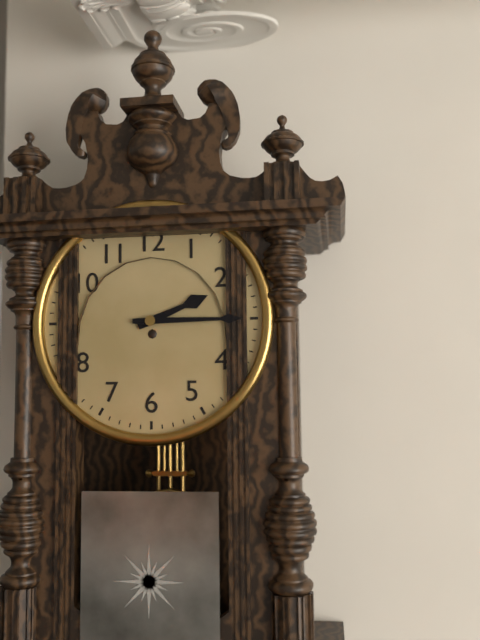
2:15
